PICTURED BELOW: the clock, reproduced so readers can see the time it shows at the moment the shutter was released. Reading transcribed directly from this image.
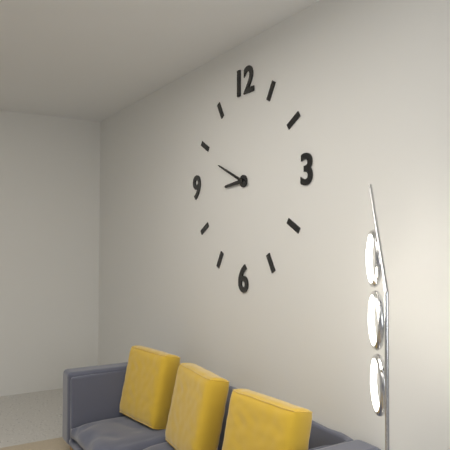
8:49
